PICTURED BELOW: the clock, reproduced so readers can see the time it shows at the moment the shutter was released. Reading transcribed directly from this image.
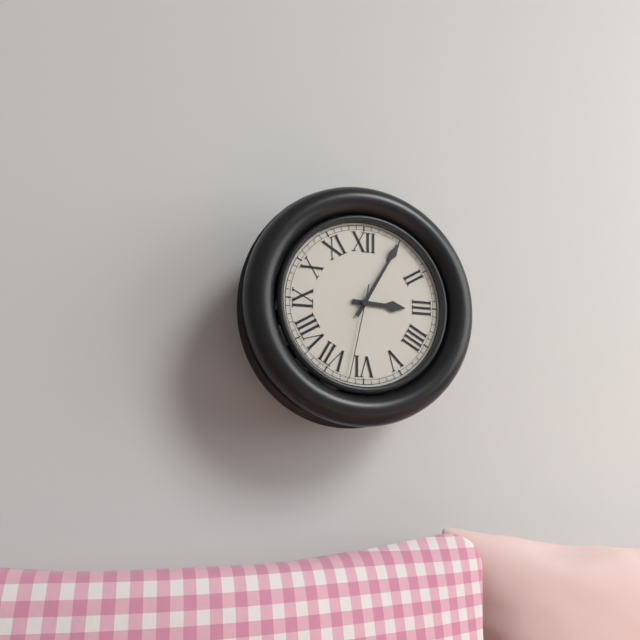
3:05:32
